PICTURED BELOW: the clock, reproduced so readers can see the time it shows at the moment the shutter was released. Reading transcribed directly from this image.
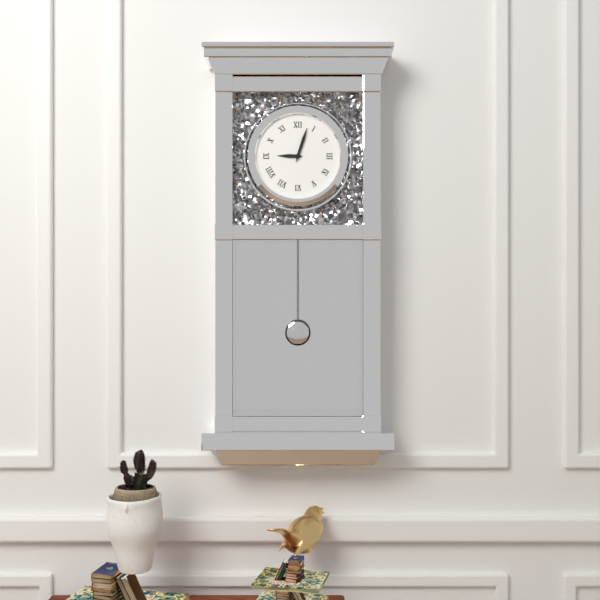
9:03
